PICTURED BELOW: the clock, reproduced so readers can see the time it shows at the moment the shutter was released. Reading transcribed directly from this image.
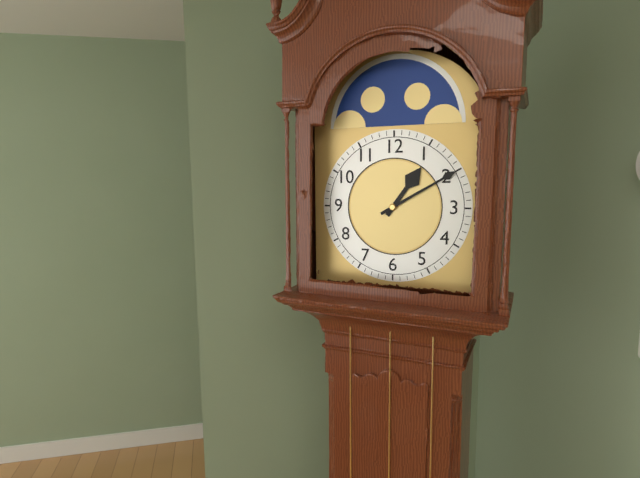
1:10
